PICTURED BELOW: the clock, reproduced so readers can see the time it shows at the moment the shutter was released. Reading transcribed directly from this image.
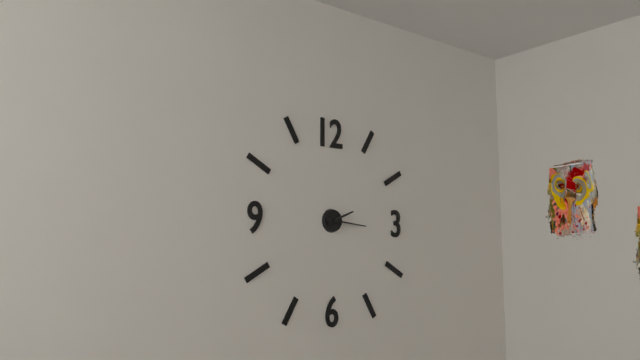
2:16
